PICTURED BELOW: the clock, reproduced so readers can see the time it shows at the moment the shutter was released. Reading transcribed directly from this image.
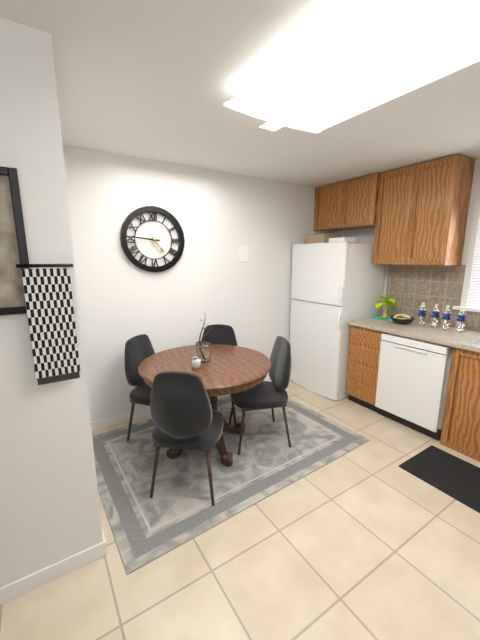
4:46
